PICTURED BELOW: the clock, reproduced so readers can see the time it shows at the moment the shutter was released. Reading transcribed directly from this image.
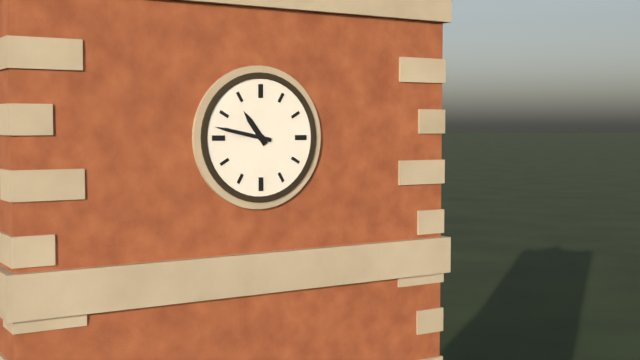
10:47
